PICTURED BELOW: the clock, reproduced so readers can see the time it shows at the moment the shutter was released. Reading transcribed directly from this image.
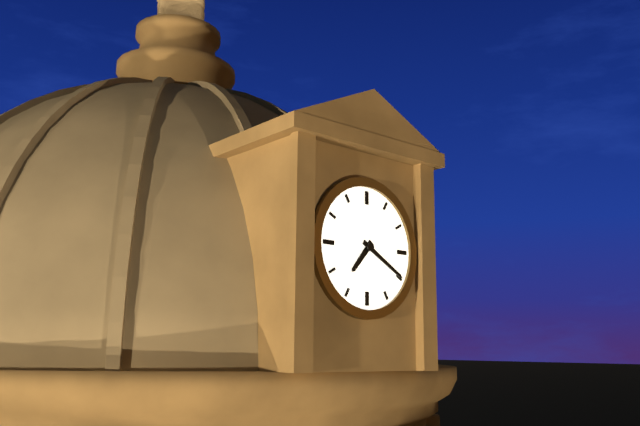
7:20
